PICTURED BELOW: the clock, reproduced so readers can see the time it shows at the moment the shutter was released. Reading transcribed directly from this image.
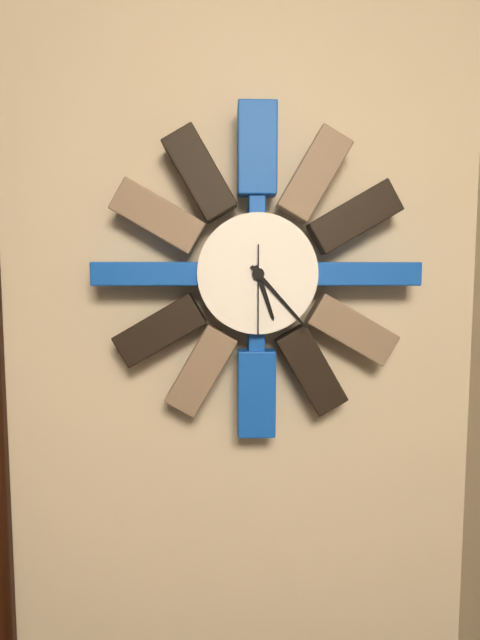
5:23:30
